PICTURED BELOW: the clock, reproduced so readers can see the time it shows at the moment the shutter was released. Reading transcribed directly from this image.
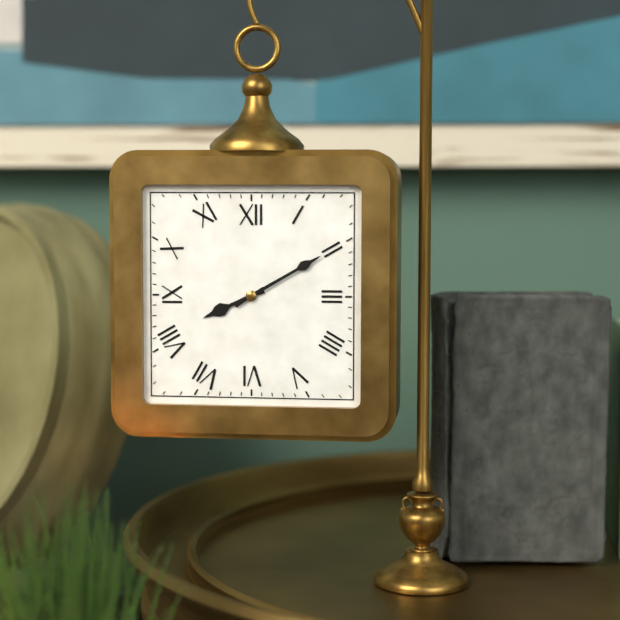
8:10
